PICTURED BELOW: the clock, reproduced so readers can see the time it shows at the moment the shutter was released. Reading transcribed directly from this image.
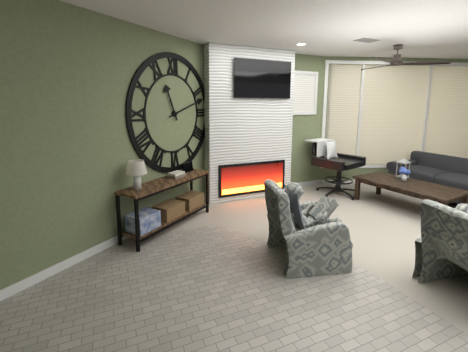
11:12
